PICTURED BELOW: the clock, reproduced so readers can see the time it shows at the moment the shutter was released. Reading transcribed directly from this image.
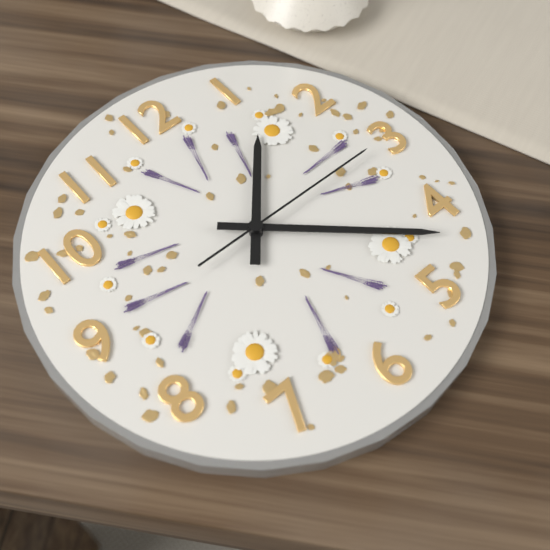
1:22:15
